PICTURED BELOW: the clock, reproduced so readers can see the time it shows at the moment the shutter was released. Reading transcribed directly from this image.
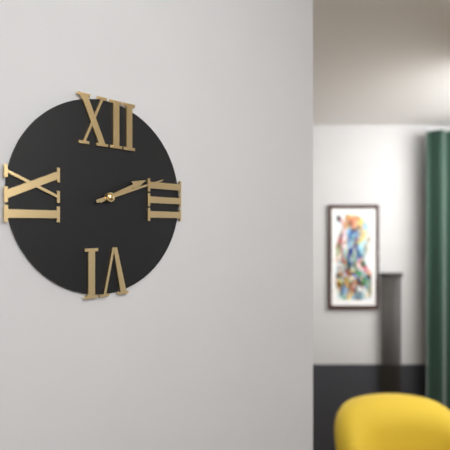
2:12
